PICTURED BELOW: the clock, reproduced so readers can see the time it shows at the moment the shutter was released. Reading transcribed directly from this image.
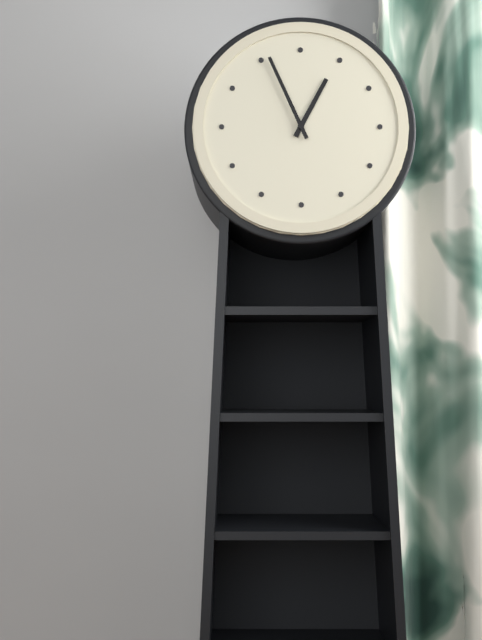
12:56
